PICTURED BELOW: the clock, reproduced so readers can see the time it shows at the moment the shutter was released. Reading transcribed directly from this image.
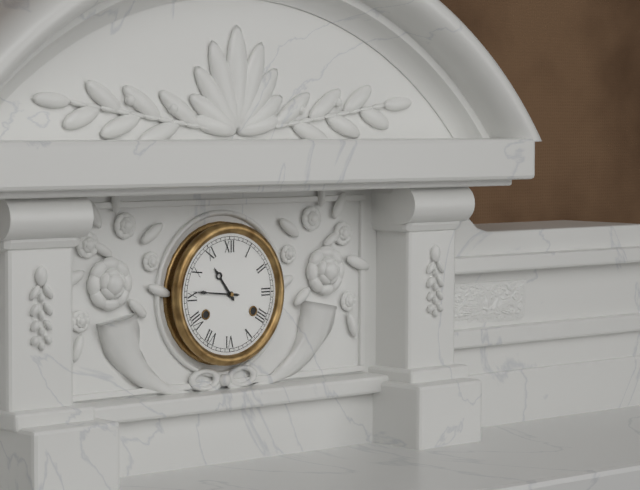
10:46
